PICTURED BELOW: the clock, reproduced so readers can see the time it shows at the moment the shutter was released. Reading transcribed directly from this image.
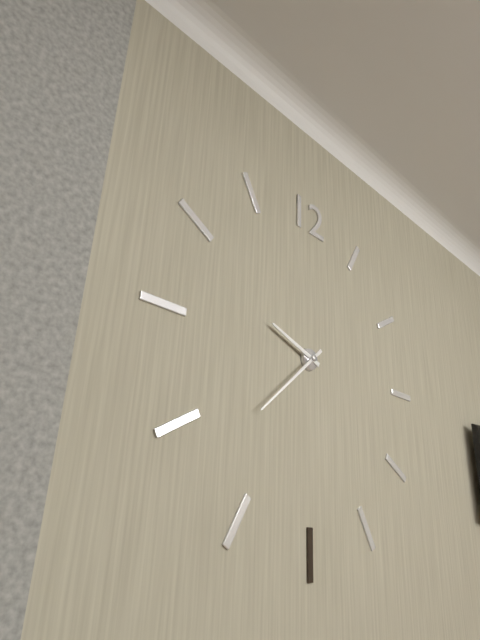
9:38
